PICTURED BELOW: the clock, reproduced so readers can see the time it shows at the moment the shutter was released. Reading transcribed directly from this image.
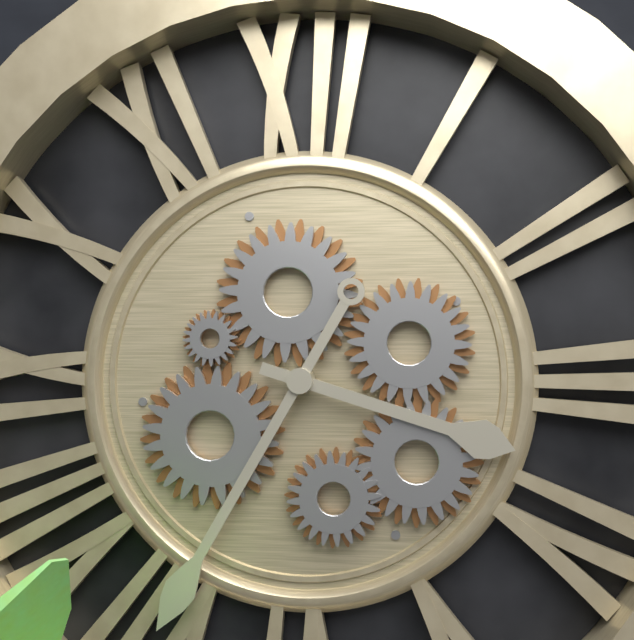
3:35
